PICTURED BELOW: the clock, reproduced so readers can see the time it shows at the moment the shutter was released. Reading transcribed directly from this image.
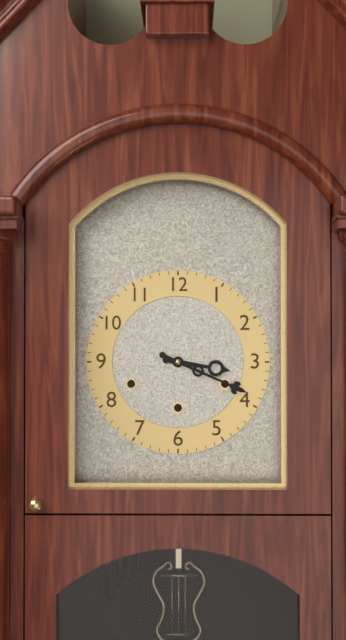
3:19
